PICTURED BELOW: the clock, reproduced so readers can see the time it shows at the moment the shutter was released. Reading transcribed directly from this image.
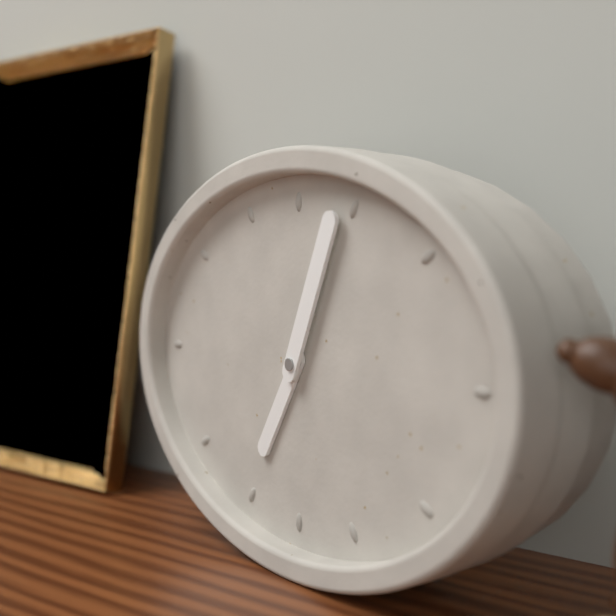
7:04
